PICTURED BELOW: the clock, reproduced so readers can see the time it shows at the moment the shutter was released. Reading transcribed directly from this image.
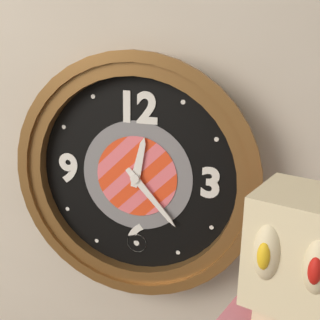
12:23
